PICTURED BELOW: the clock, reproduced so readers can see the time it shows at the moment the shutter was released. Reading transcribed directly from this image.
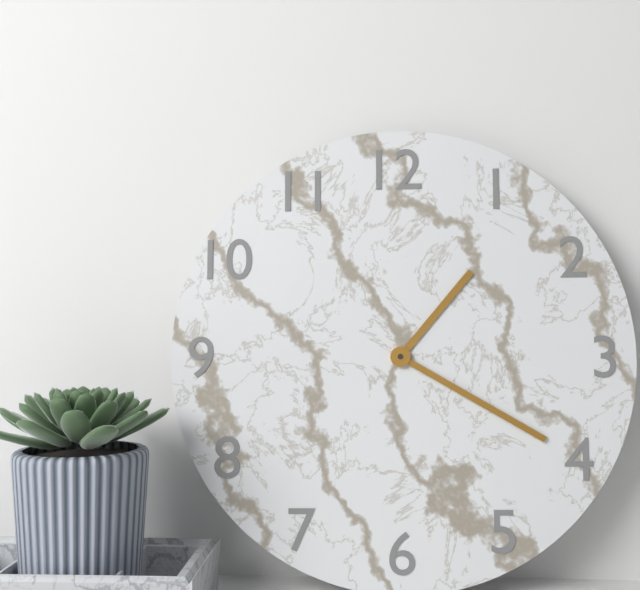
1:20
